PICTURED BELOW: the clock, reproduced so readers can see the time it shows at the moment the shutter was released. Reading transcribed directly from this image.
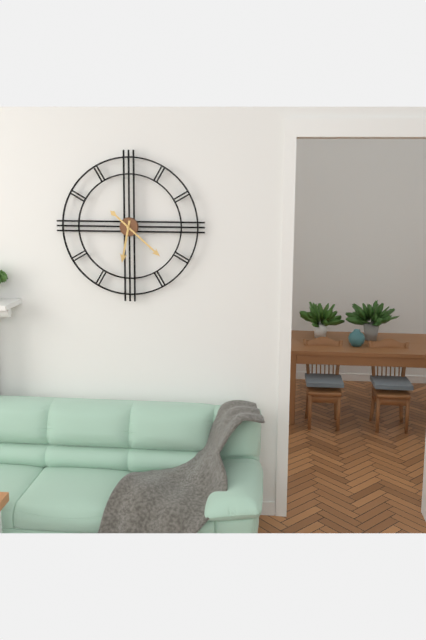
6:22
